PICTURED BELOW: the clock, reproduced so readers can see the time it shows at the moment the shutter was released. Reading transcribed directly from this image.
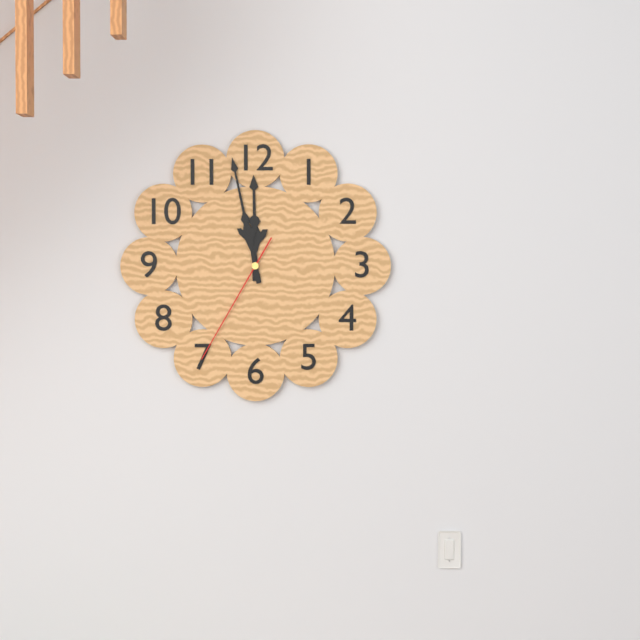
11:58:35
